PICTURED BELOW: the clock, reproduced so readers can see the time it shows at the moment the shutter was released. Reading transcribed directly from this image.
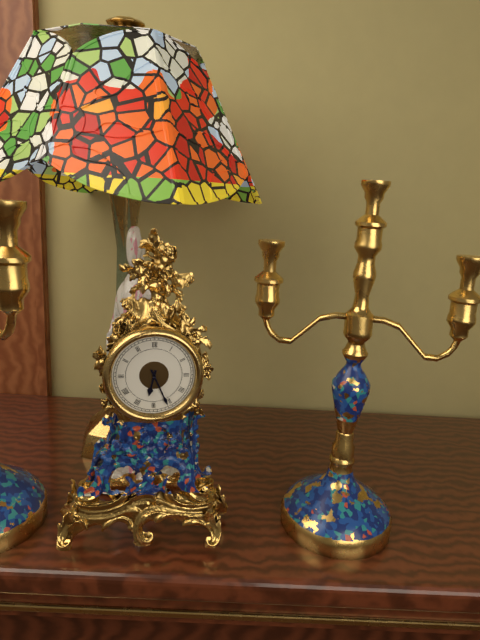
6:26
